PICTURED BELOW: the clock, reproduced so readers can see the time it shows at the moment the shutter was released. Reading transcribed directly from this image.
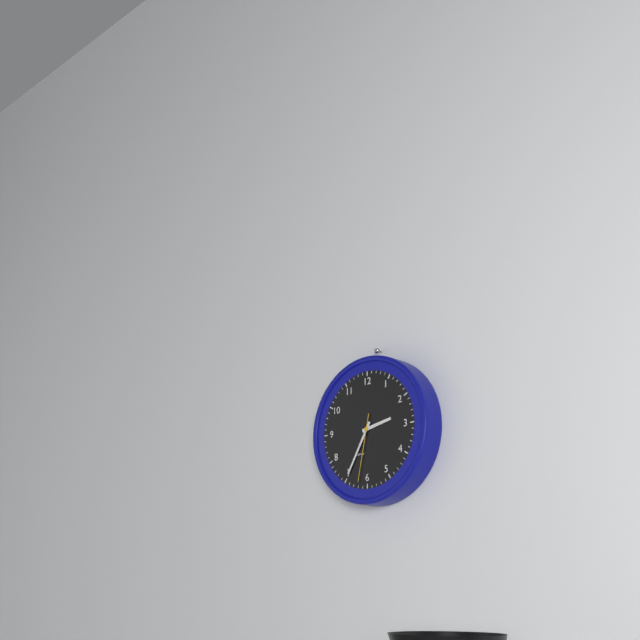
2:35:32
